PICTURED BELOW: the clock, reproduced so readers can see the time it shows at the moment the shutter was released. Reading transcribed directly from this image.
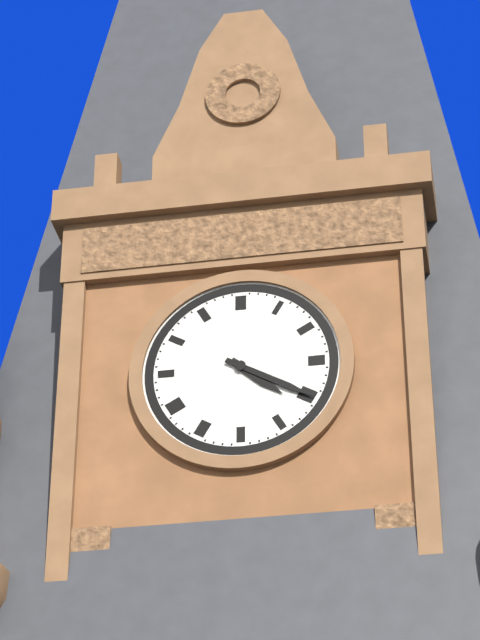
4:20
